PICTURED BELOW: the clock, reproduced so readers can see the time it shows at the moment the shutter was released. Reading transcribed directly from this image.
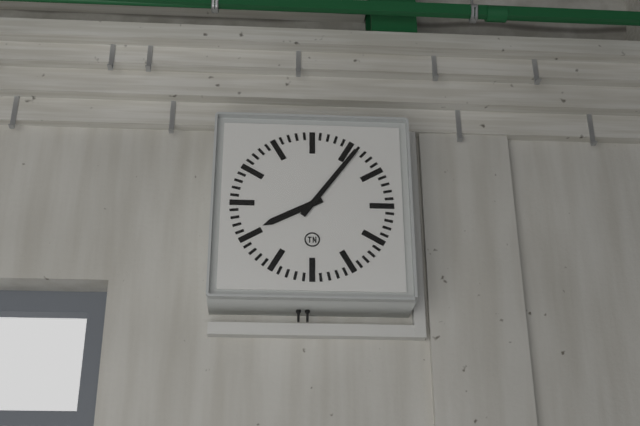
8:06
